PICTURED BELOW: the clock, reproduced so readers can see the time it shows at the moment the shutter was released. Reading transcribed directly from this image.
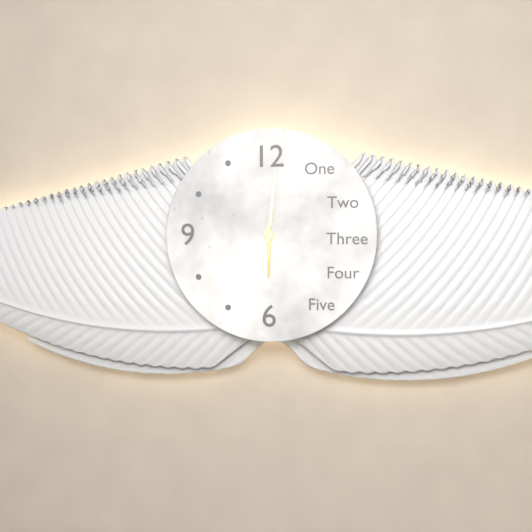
6:01
